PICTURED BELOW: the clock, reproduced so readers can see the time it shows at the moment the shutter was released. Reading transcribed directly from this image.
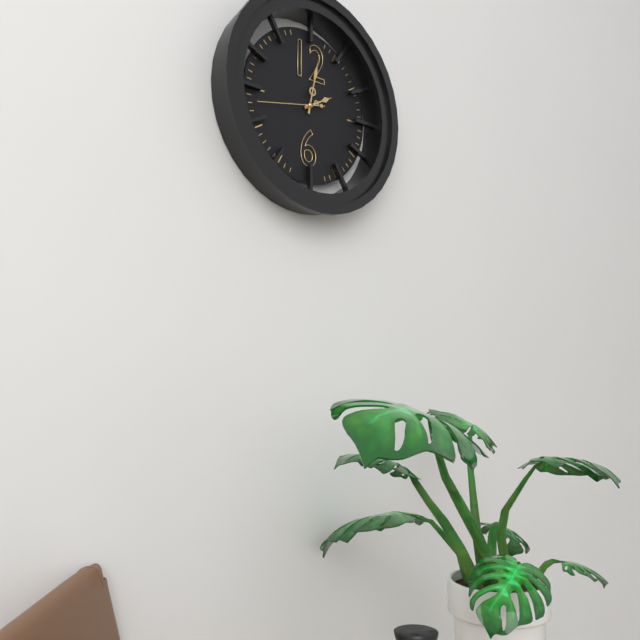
2:02:43
